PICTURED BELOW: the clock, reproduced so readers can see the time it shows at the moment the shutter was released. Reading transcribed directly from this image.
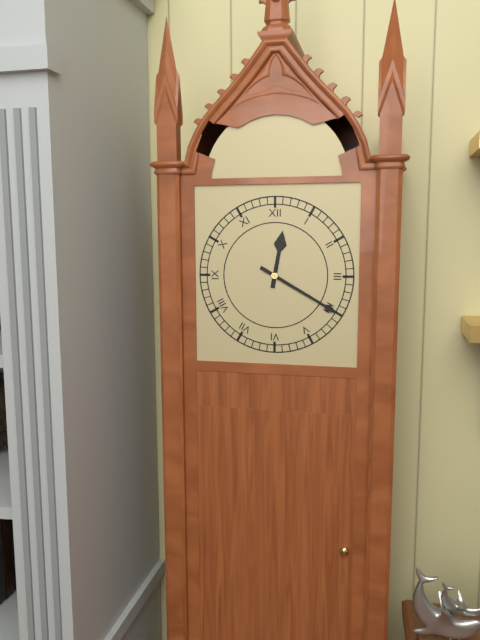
12:20
